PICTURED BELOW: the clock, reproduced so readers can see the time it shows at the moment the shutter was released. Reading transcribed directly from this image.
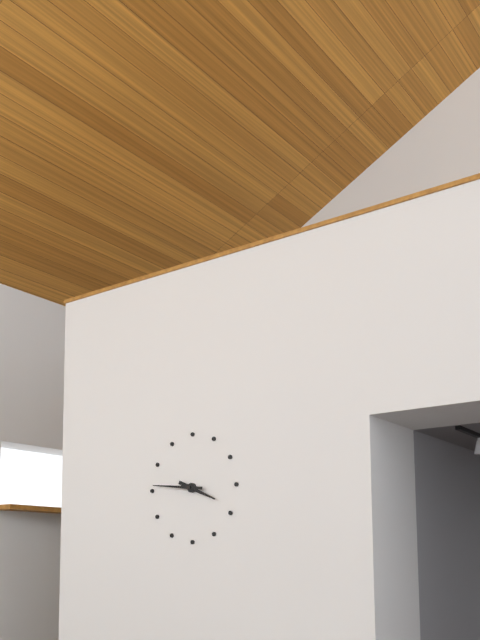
3:46
